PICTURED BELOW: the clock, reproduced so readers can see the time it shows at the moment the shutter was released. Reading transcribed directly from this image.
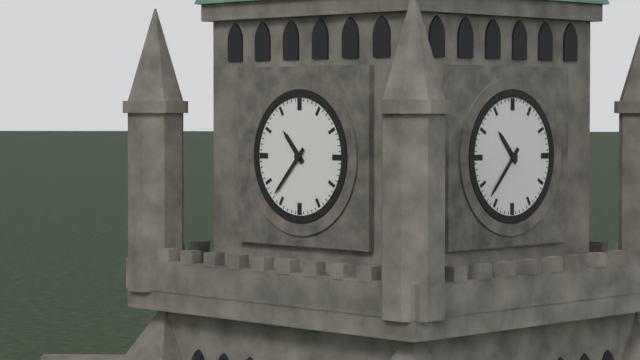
10:37
